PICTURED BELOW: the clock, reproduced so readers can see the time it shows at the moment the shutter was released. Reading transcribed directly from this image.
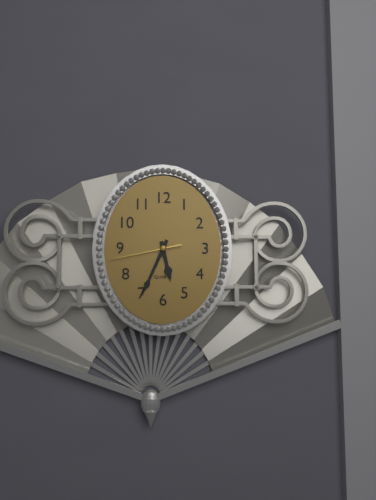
5:34:43
